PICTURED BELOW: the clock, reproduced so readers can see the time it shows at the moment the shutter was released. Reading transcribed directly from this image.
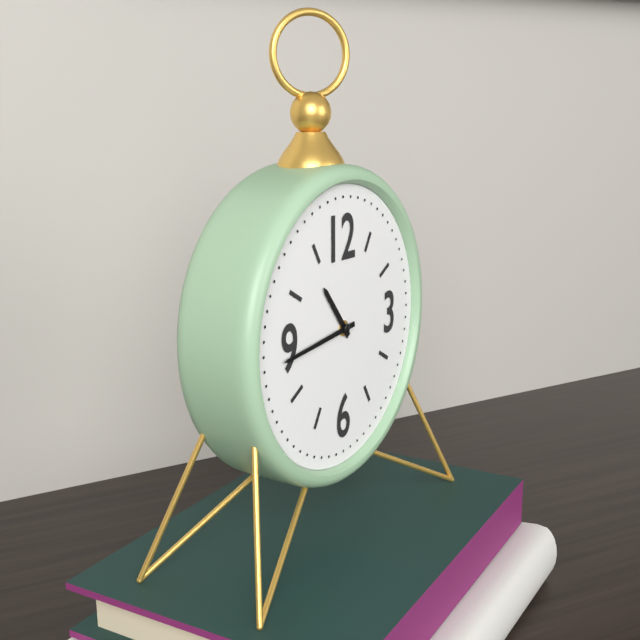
10:44
